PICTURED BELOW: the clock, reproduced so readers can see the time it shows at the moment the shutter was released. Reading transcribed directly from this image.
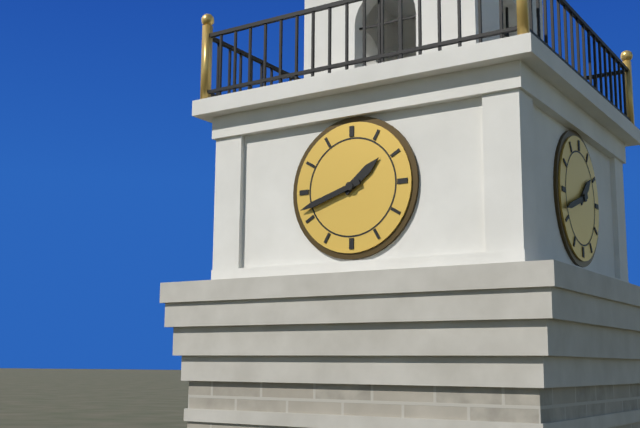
1:42
